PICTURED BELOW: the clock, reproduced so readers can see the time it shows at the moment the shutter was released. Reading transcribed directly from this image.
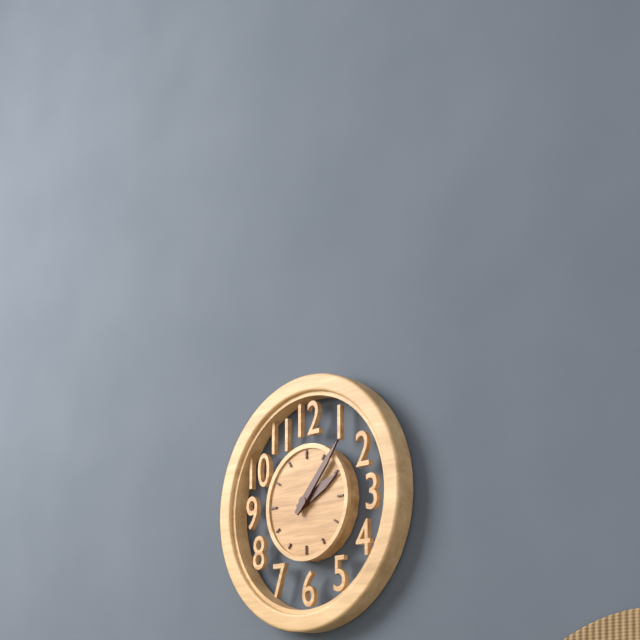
2:07
